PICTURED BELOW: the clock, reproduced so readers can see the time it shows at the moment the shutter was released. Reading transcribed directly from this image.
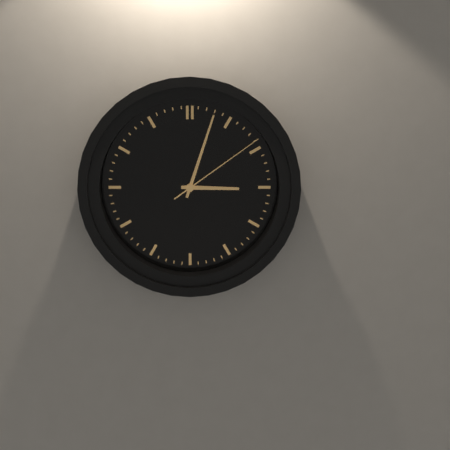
3:03:09
